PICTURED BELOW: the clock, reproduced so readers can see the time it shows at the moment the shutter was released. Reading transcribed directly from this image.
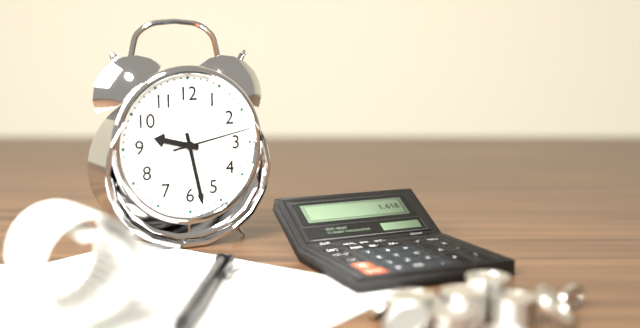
9:28:13
